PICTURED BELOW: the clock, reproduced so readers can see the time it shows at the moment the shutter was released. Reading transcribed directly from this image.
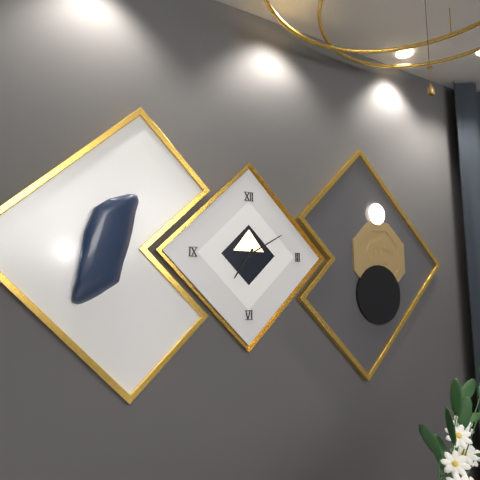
7:10
